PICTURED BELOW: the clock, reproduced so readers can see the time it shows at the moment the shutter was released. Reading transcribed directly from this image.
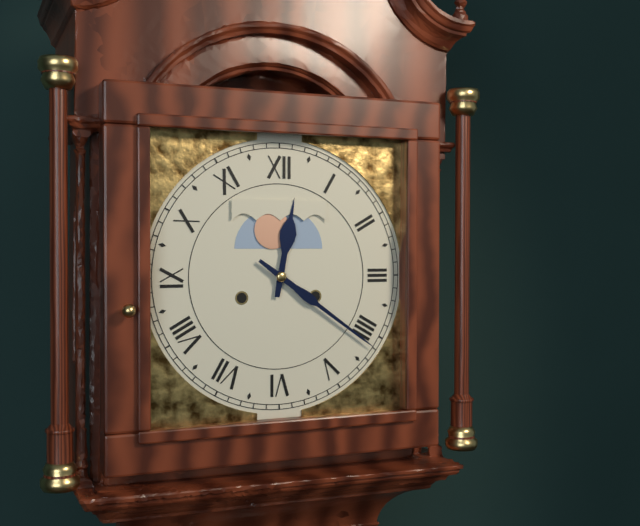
12:21
